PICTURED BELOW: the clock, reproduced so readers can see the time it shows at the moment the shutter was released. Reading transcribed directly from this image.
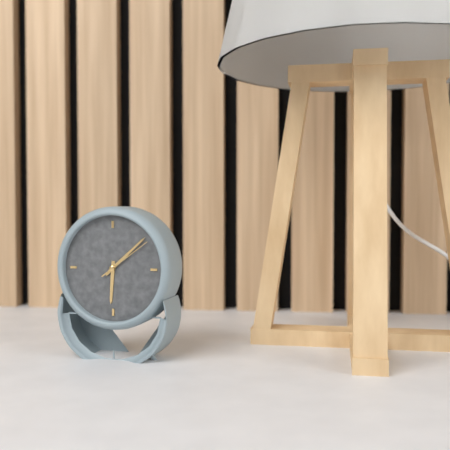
6:08:09
